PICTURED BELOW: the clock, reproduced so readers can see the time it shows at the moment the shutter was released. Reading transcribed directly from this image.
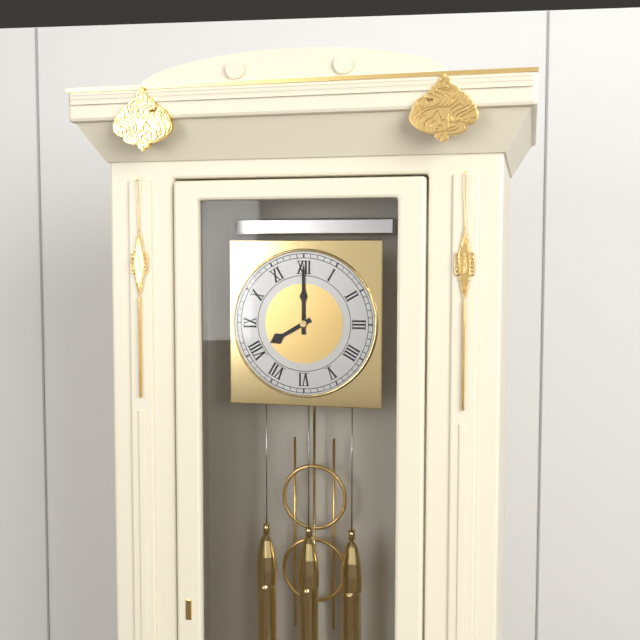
8:00
